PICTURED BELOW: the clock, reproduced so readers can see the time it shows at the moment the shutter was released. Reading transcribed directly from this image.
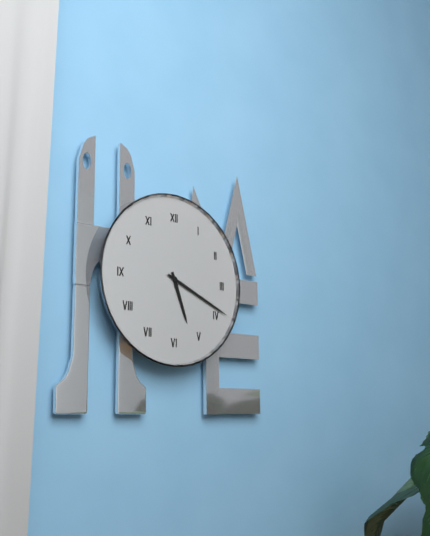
5:19
